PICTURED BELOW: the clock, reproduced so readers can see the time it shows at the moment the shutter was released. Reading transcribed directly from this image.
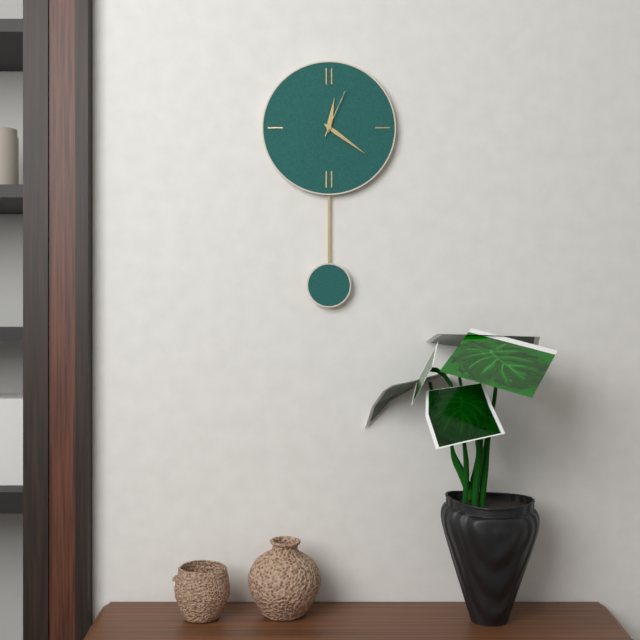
12:21:04
